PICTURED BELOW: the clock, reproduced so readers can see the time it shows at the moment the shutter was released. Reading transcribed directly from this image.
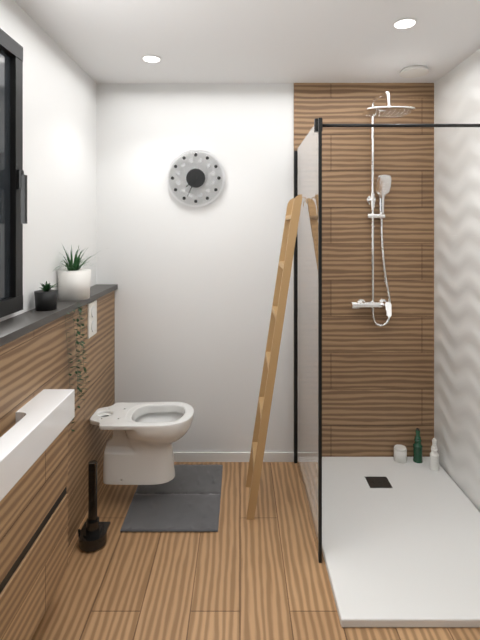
7:34
